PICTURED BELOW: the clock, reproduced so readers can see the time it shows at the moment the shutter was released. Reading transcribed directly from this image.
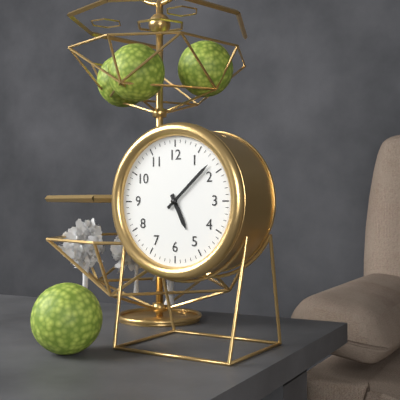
5:08
